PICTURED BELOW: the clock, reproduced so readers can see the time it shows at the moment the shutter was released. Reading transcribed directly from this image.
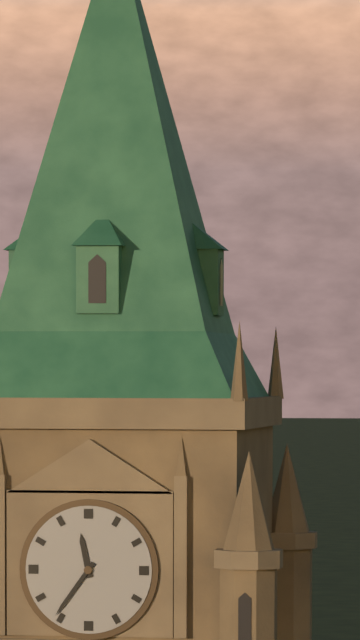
11:36
